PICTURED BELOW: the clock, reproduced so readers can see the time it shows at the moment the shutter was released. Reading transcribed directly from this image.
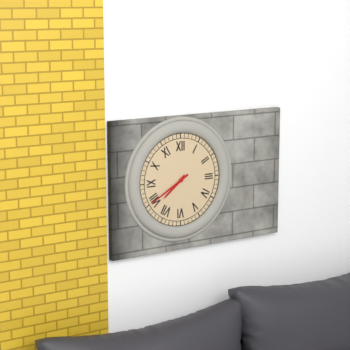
7:40
